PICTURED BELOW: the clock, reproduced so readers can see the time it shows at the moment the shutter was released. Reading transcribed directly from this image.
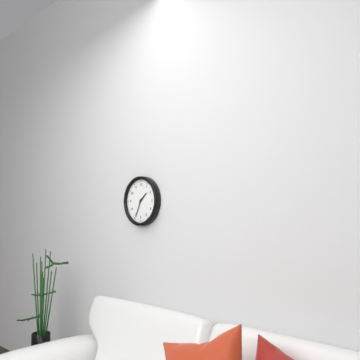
1:34
